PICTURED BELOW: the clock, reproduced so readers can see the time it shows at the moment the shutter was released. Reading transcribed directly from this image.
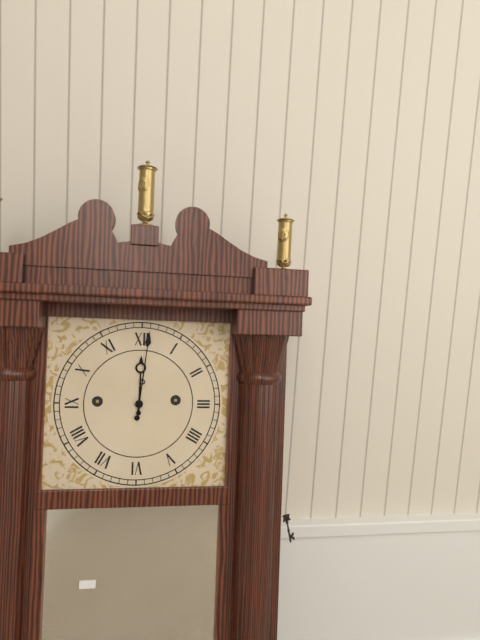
12:01
